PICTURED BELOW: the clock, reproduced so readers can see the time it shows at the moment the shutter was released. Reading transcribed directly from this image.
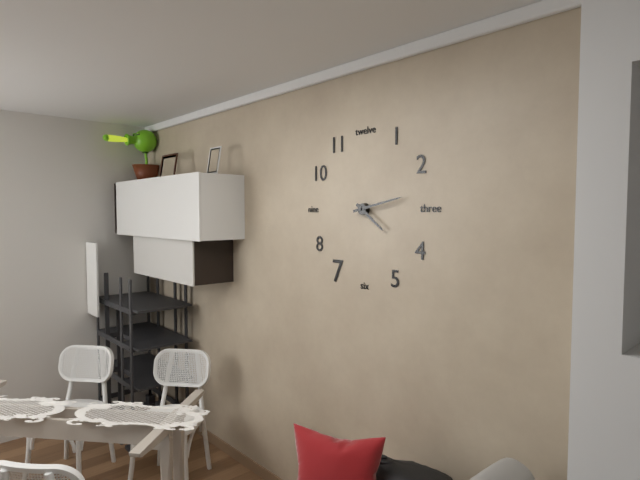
4:13
